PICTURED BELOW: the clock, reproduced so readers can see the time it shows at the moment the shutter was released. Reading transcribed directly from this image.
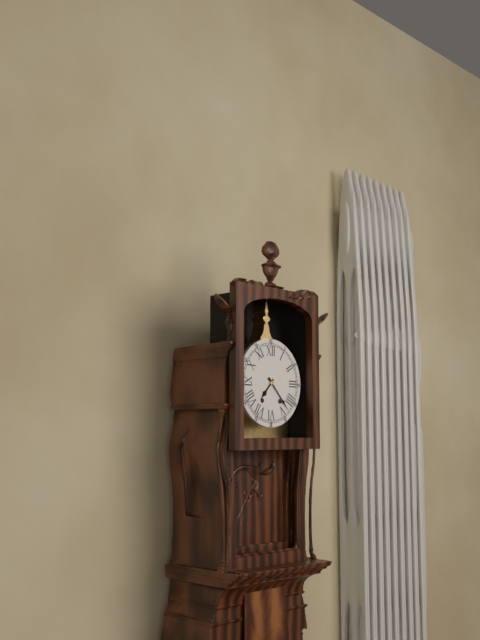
7:23
